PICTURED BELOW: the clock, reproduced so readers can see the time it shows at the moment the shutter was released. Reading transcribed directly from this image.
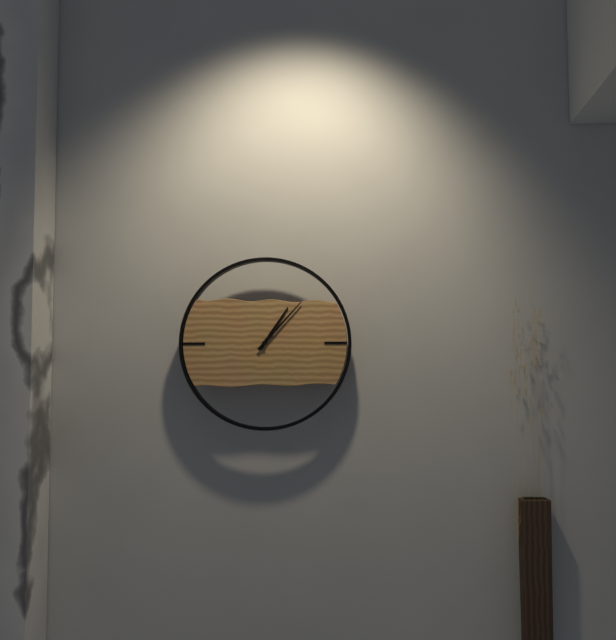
1:07
